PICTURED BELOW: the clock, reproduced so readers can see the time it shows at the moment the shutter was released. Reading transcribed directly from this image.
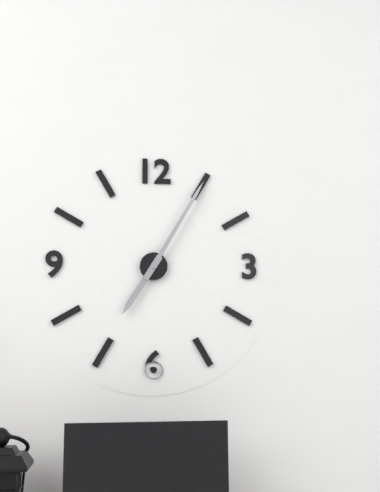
7:05
